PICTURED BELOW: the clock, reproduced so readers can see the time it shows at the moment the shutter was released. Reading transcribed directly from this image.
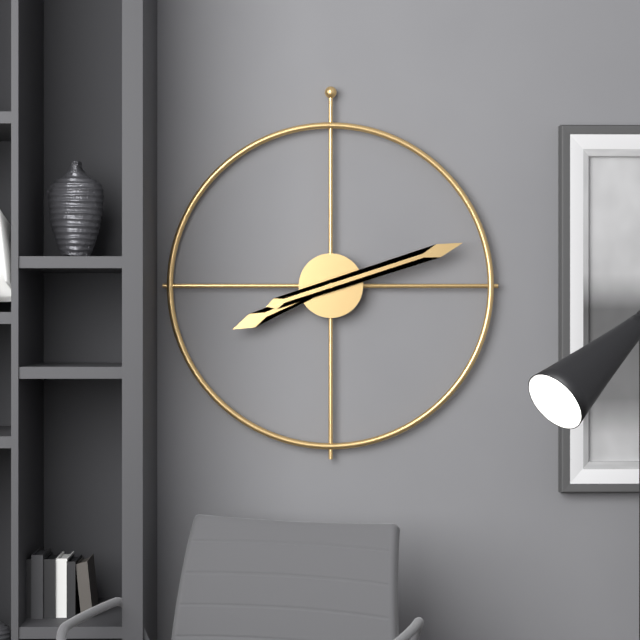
8:12
